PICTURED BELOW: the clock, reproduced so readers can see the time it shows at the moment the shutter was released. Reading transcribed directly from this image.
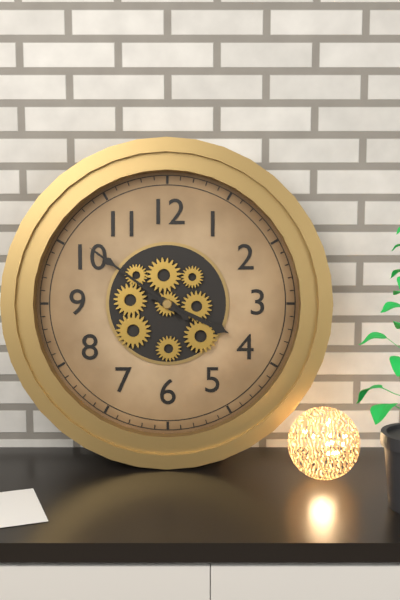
3:51
